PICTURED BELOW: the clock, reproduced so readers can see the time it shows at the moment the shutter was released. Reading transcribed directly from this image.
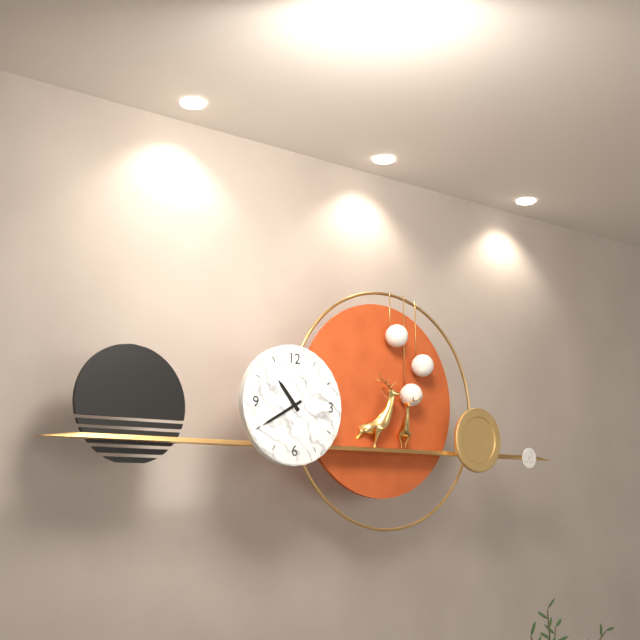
10:40
